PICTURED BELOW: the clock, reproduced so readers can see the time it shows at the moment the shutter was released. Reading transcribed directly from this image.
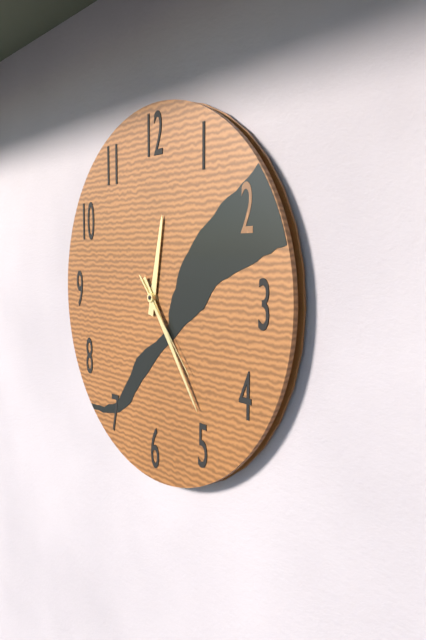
12:24:23
